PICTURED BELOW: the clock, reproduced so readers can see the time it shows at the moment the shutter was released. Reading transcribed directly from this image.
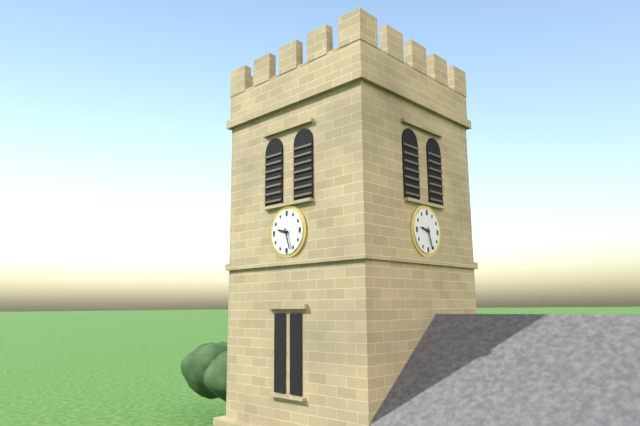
9:27
